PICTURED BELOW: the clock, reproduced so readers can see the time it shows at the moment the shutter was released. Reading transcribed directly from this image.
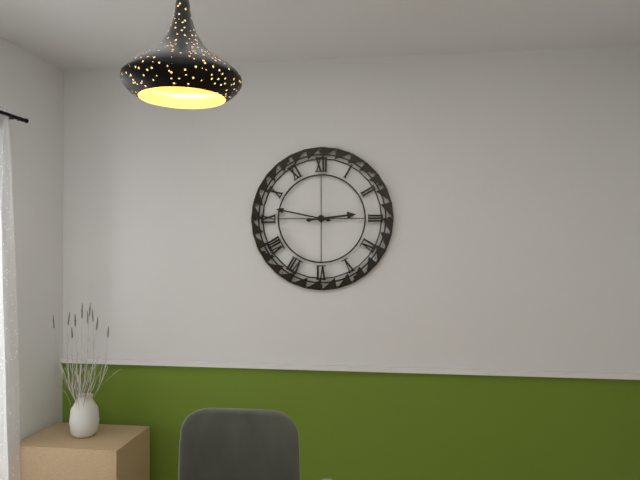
2:47
